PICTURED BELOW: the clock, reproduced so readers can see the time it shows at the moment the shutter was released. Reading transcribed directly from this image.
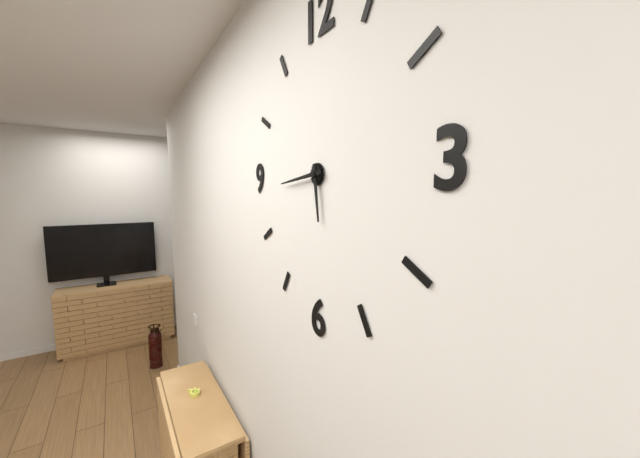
5:44
